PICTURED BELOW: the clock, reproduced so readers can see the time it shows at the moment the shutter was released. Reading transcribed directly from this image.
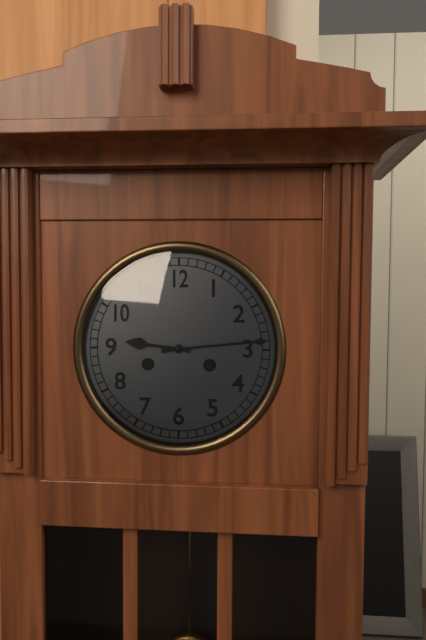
9:14
